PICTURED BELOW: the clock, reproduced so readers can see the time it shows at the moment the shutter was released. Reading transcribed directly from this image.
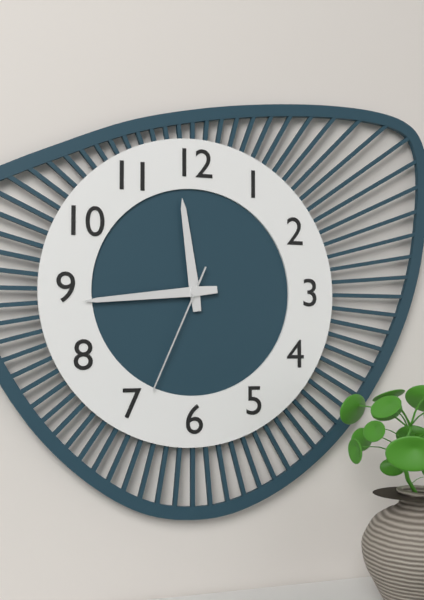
11:44:34
